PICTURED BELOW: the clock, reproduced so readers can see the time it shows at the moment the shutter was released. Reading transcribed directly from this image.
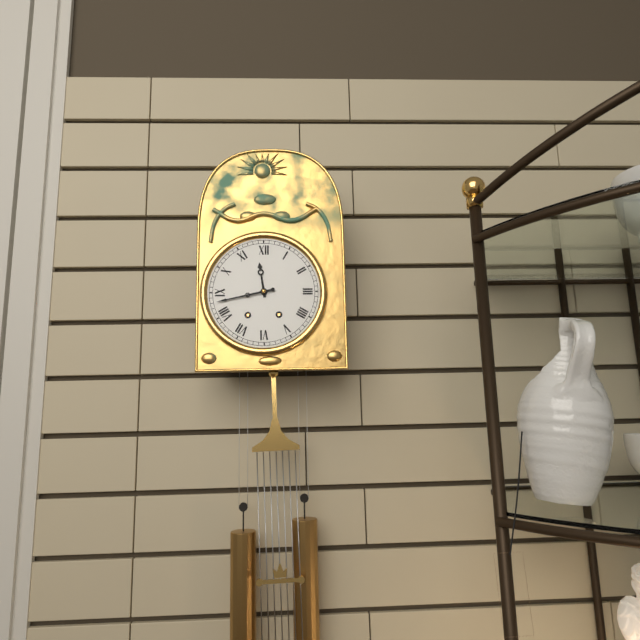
11:43
